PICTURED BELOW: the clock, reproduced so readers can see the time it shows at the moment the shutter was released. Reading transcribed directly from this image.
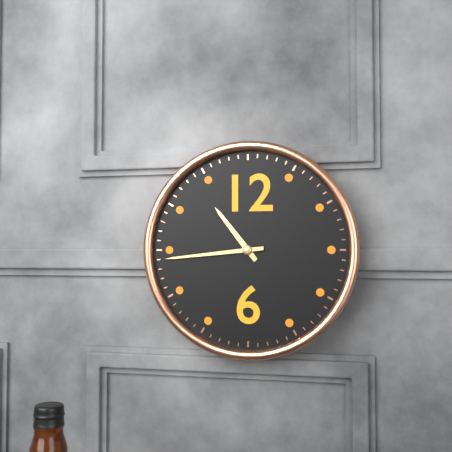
10:44
